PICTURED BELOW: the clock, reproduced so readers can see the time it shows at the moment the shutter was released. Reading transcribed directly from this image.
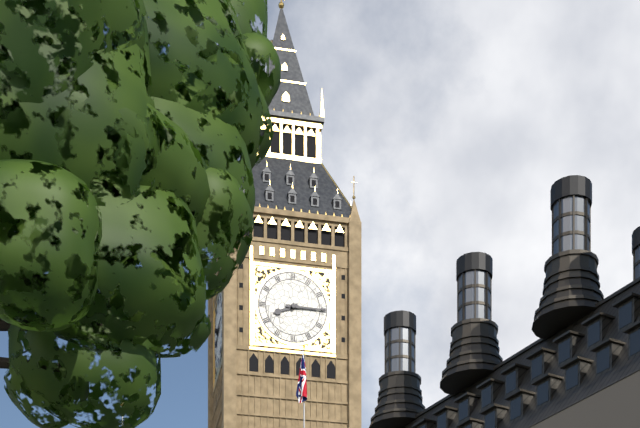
8:15
